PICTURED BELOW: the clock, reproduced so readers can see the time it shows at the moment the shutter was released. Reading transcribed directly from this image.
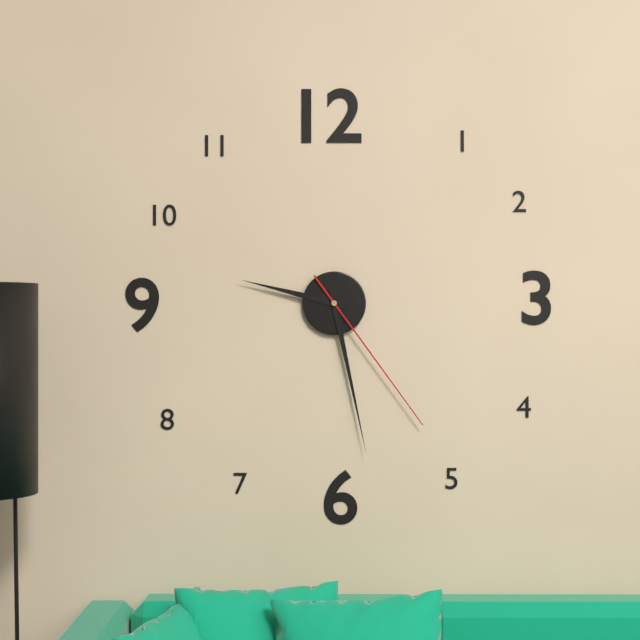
9:28:24
